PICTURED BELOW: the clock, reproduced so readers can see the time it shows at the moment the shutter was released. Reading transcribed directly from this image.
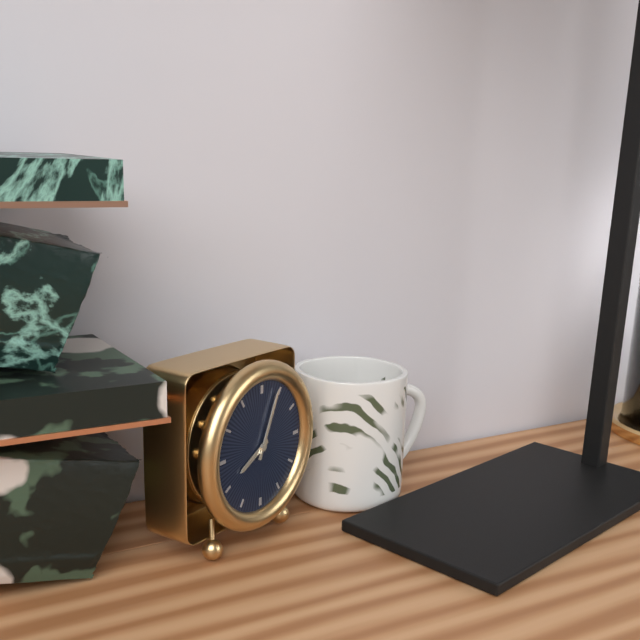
8:04
